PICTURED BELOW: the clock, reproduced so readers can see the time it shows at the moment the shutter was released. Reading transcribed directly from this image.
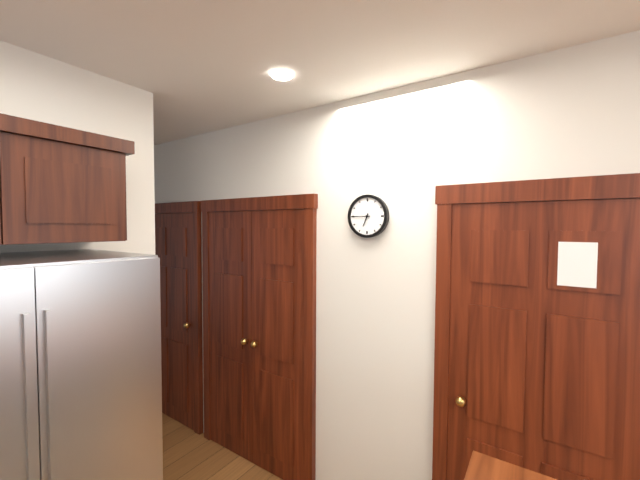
6:45
